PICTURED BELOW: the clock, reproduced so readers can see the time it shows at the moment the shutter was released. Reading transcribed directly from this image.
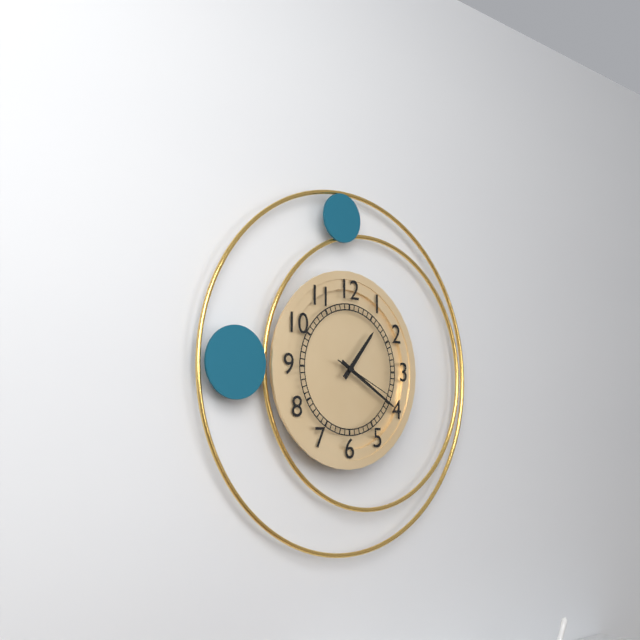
1:20:19
